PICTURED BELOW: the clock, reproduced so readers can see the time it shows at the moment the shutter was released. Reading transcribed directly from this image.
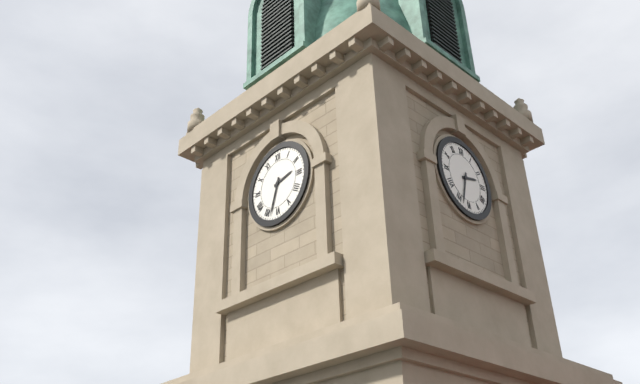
2:33
